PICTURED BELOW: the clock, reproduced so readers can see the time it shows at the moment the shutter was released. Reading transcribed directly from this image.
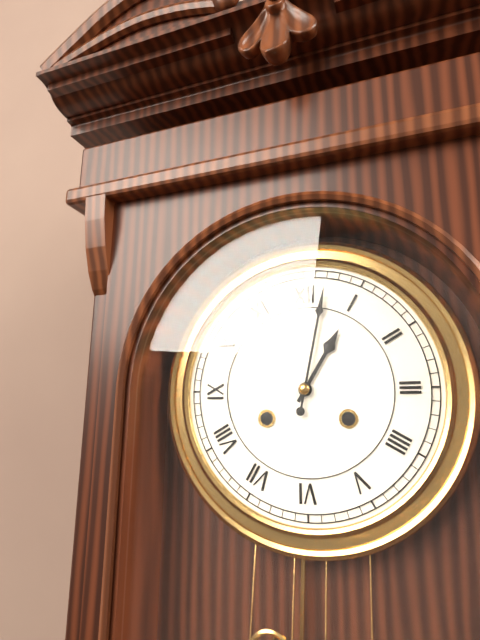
1:02
